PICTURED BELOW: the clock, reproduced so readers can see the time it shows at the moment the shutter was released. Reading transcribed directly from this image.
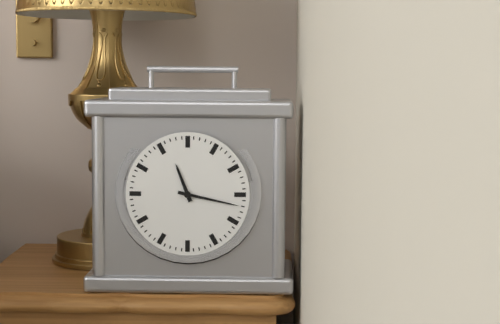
11:17
